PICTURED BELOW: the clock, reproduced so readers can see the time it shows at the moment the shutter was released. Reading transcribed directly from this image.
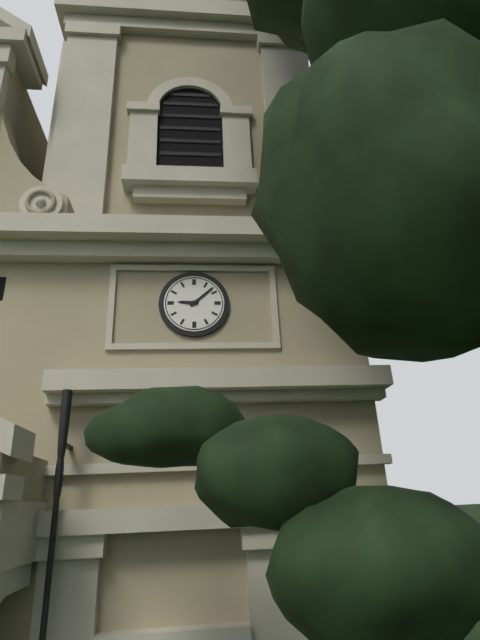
9:08
